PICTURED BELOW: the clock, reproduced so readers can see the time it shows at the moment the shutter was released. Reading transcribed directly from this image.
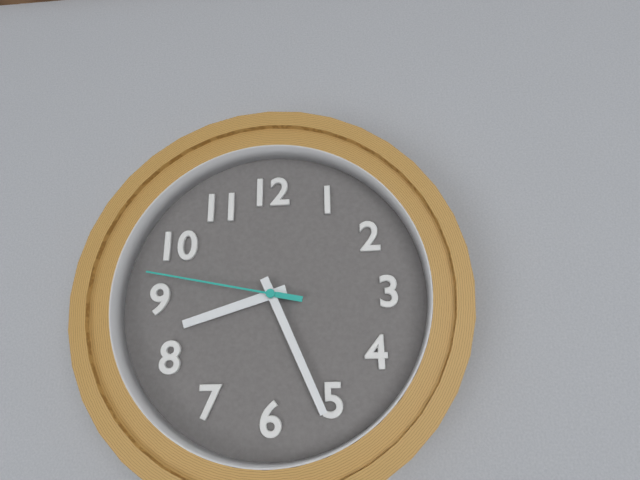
8:26:47
